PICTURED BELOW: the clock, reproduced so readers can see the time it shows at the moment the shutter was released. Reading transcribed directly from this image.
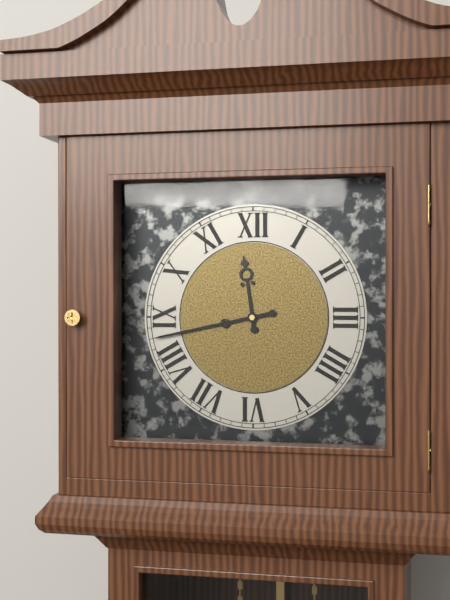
11:43
